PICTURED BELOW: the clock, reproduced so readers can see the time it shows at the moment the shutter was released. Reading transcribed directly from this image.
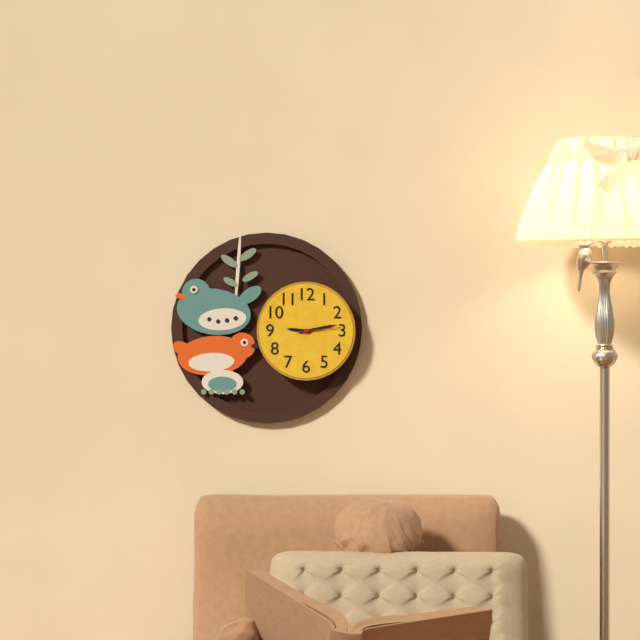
9:13
